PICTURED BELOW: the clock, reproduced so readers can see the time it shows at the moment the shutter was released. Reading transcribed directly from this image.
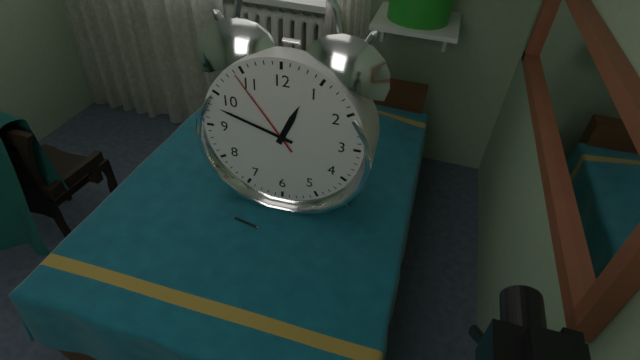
12:48:54
